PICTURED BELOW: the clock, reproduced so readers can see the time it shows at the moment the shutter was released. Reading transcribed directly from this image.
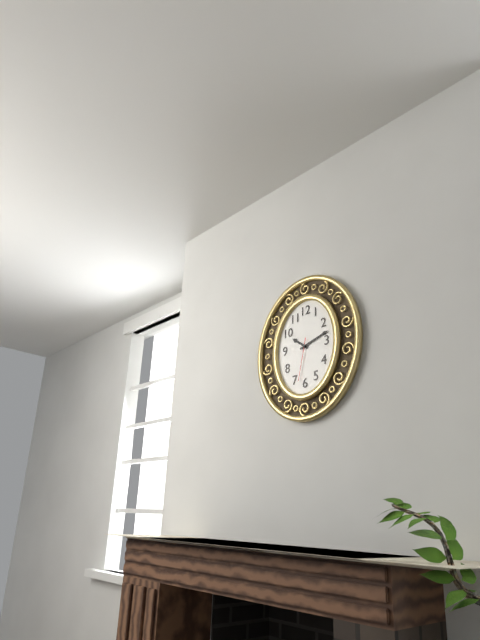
10:12
